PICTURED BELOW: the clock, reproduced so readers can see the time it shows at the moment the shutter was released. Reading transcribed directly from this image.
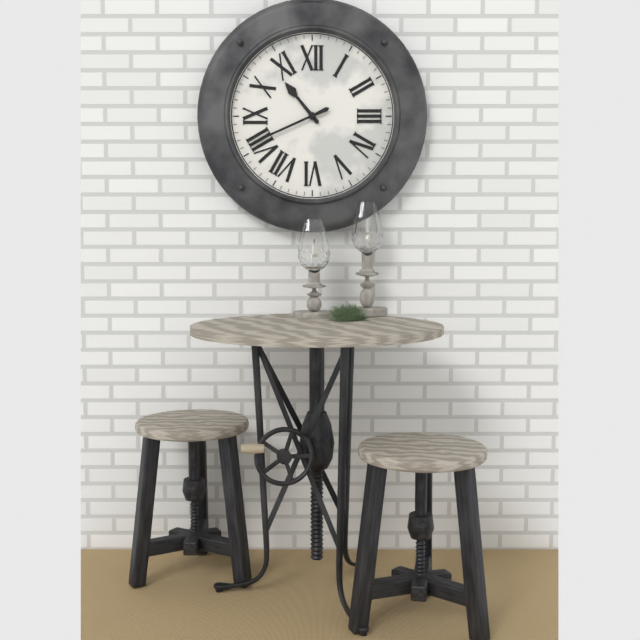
10:41
